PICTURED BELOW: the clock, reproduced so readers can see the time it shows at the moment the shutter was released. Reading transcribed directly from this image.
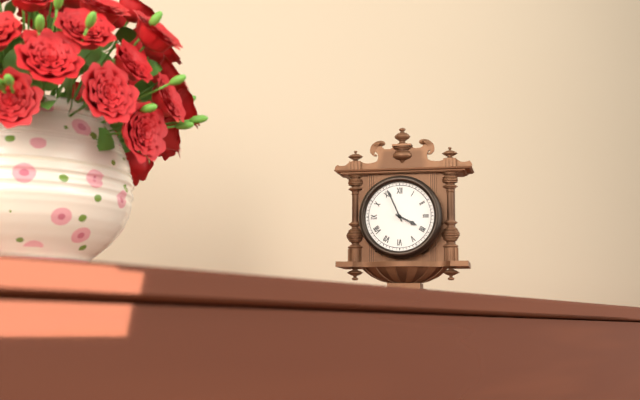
3:56
